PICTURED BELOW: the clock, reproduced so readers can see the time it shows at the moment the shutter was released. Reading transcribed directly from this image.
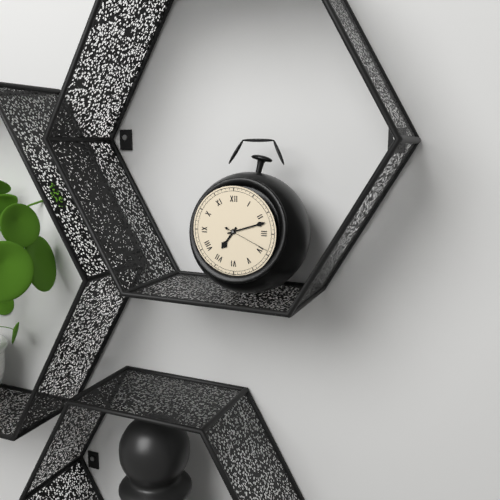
7:12
